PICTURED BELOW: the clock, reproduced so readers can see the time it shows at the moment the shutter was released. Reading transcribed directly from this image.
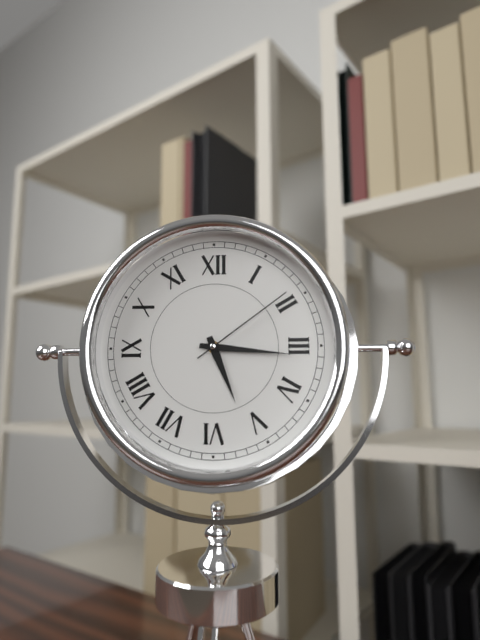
5:16:09
